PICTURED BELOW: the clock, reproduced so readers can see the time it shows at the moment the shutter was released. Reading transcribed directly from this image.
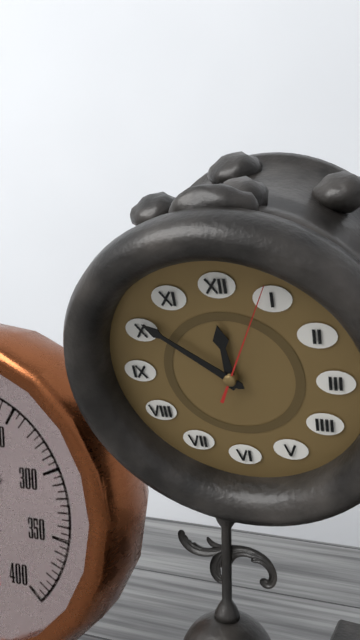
11:51:04
